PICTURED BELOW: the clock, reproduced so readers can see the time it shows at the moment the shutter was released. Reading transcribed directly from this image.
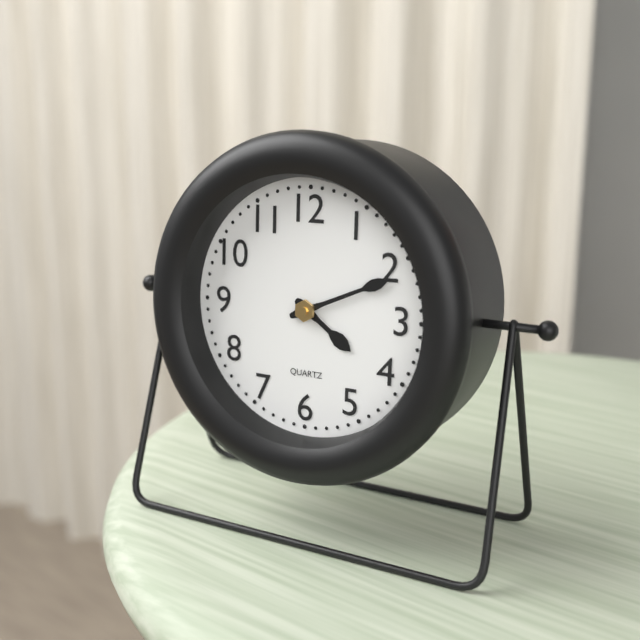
4:11
